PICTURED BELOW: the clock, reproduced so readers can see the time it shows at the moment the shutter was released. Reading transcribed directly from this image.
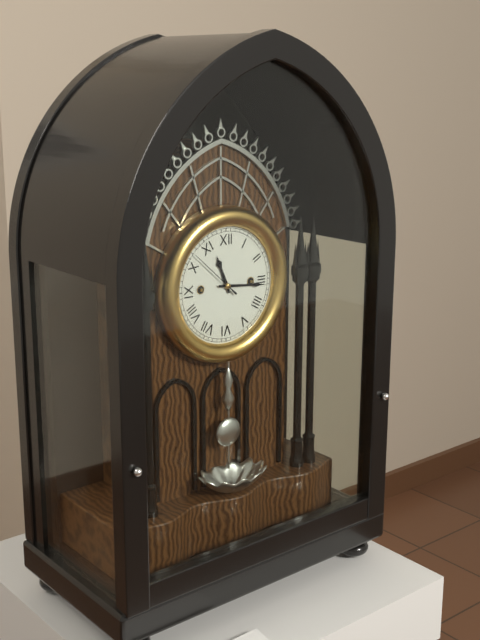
11:16:52
